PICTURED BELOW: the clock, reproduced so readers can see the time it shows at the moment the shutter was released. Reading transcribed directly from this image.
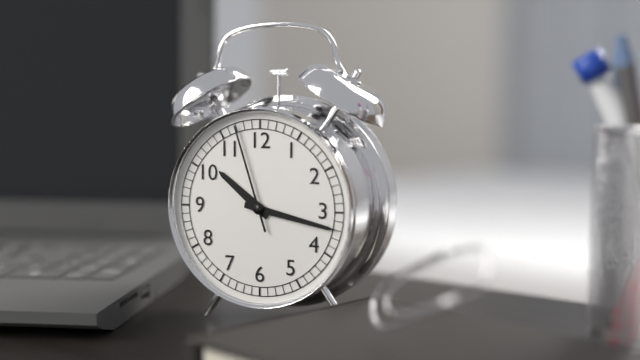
10:17:57
